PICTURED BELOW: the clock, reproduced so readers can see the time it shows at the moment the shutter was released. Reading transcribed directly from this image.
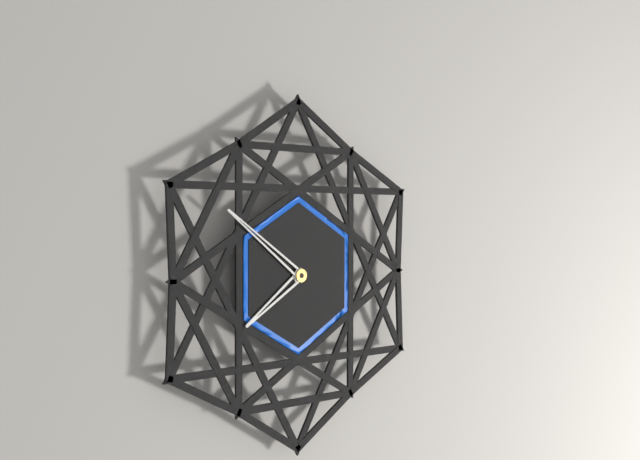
7:51
